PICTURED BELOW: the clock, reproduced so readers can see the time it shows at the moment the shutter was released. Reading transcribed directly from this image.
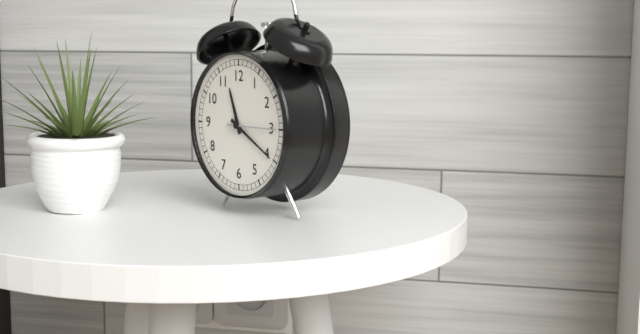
11:20:15
